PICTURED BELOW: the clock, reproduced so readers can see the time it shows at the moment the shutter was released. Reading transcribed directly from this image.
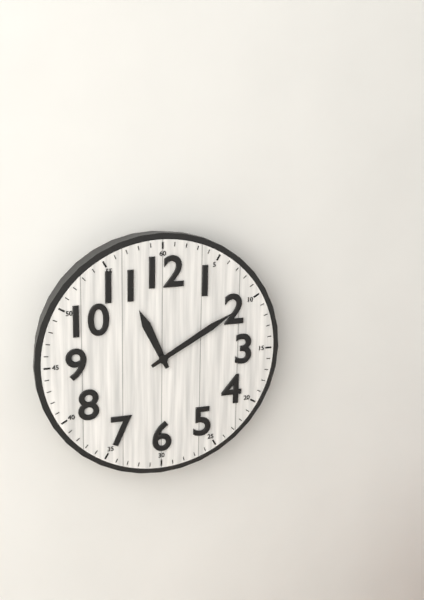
11:10
